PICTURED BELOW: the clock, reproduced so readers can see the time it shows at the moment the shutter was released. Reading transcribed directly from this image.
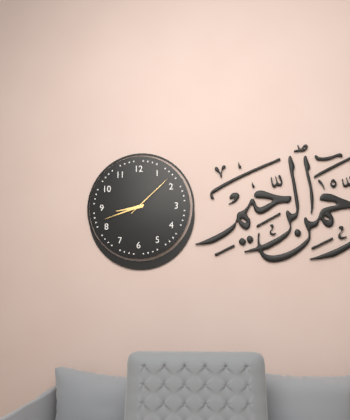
8:42:08
